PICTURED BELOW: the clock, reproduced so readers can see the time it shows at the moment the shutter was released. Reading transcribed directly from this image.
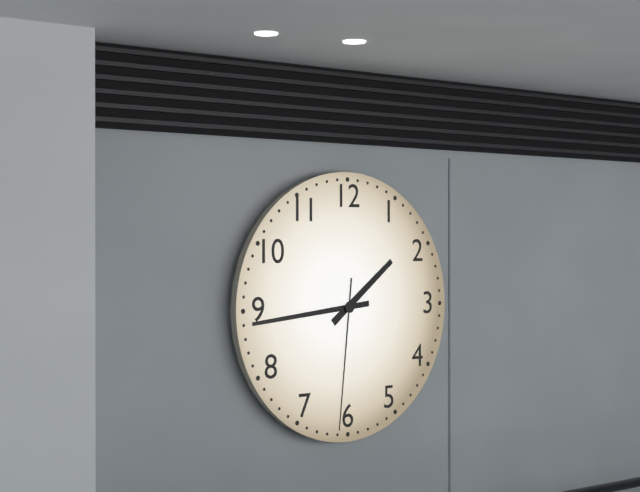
1:44:31
